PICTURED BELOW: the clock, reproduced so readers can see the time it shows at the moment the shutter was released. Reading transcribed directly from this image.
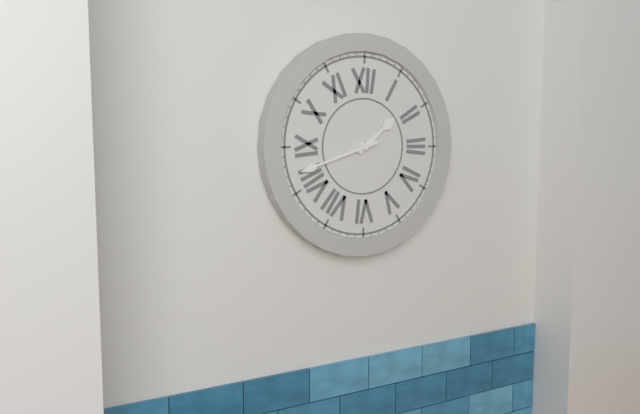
1:42
